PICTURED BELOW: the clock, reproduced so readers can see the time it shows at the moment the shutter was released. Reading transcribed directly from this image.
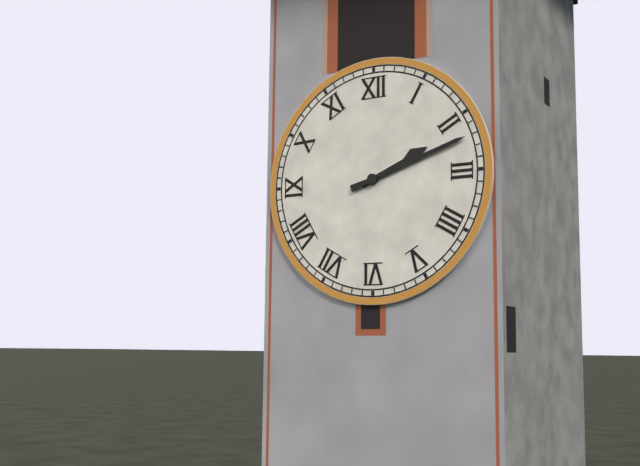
2:12
